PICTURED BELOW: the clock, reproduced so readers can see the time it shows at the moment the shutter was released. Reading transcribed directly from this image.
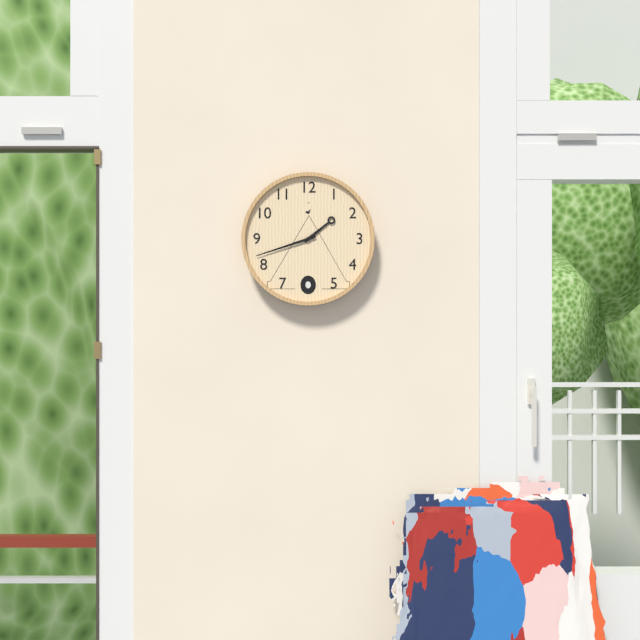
1:42
